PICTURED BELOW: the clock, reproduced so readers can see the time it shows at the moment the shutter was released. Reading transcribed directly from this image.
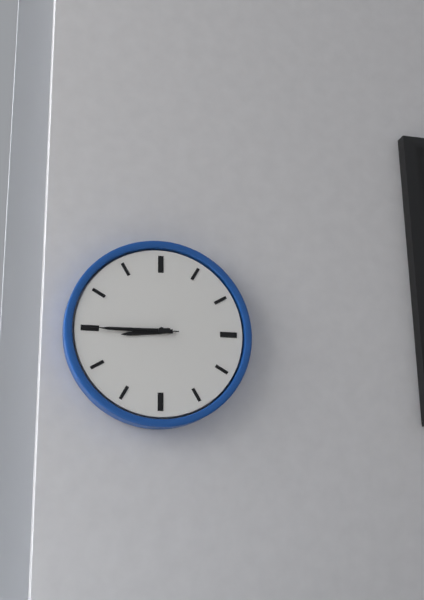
8:45:45
